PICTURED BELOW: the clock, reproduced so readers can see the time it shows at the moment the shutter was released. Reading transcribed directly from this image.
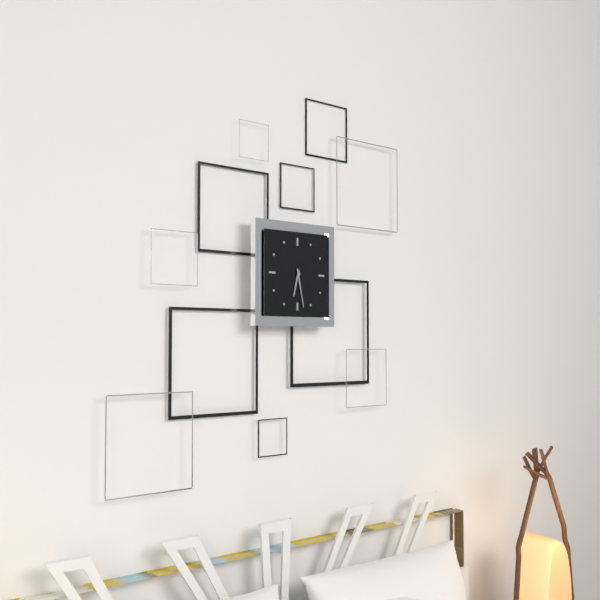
6:28
